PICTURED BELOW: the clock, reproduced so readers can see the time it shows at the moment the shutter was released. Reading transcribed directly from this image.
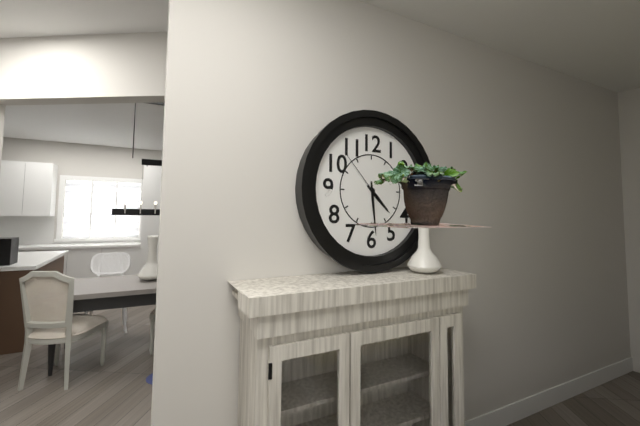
4:29:53
